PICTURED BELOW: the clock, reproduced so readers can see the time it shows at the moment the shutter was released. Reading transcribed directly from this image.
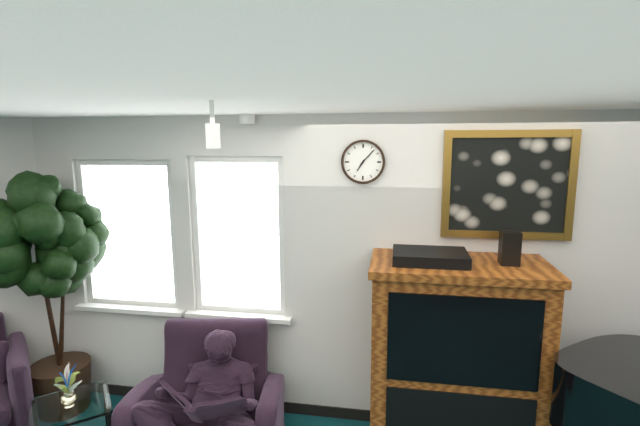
7:07
